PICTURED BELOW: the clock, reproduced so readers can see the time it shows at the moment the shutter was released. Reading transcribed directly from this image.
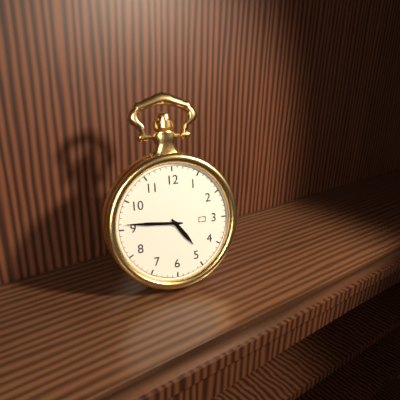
4:46
